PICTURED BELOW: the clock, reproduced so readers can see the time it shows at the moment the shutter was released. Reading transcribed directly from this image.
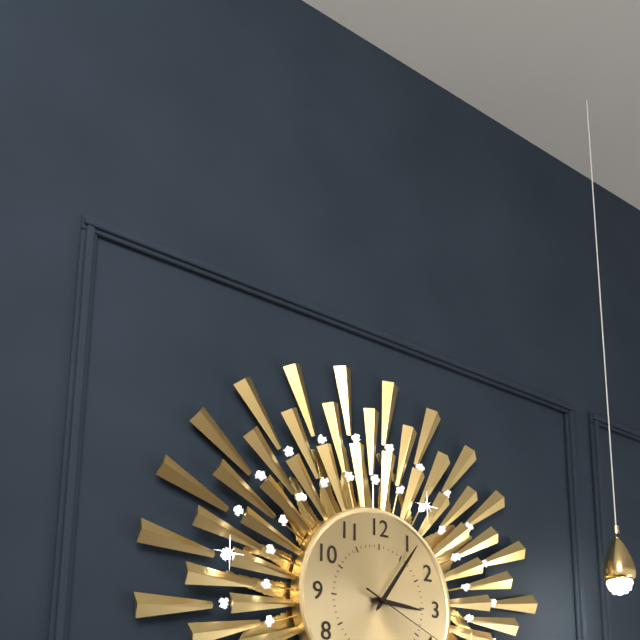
3:06
